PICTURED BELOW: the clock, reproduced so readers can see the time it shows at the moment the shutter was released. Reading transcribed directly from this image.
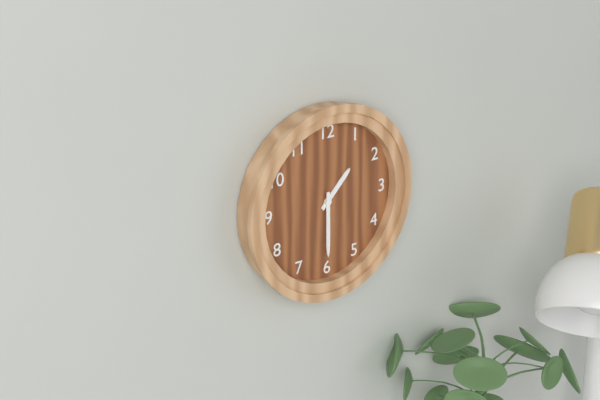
1:30
